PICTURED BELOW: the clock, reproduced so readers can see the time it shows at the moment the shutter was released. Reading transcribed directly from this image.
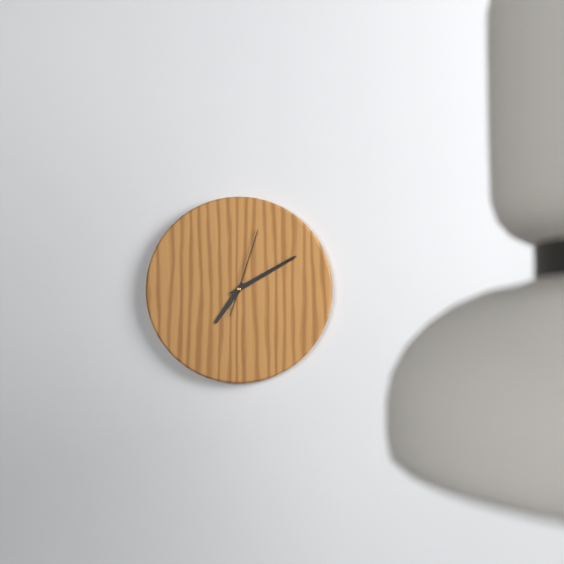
7:10:03
